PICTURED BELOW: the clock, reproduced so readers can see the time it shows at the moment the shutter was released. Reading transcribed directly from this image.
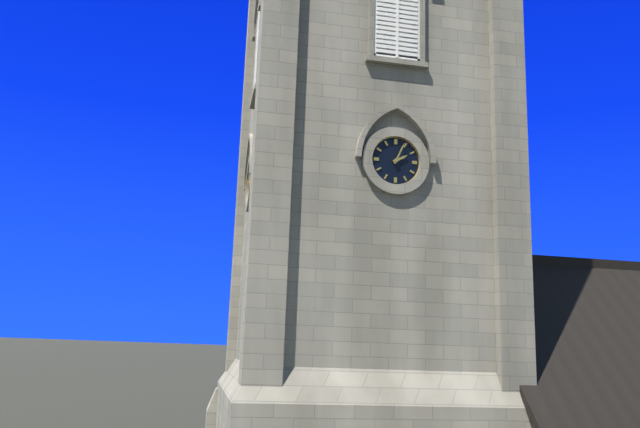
2:04
